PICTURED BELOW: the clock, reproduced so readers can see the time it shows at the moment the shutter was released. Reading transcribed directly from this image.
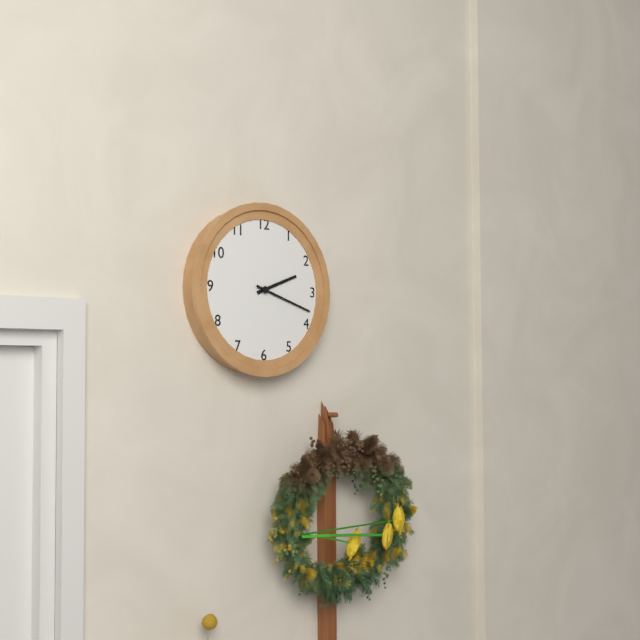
2:18
